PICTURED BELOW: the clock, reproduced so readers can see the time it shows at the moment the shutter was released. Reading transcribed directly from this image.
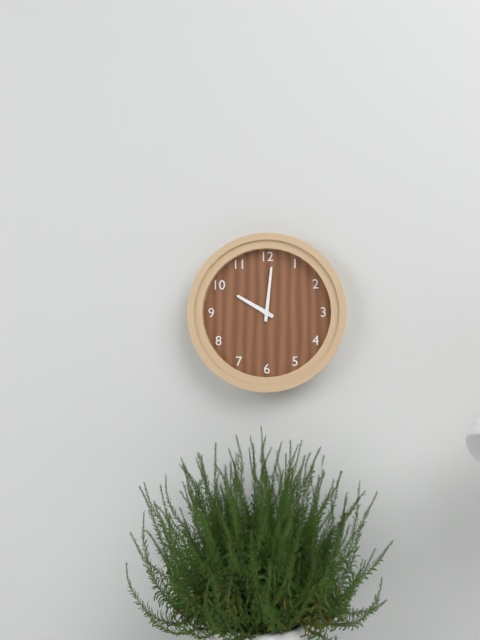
10:01
